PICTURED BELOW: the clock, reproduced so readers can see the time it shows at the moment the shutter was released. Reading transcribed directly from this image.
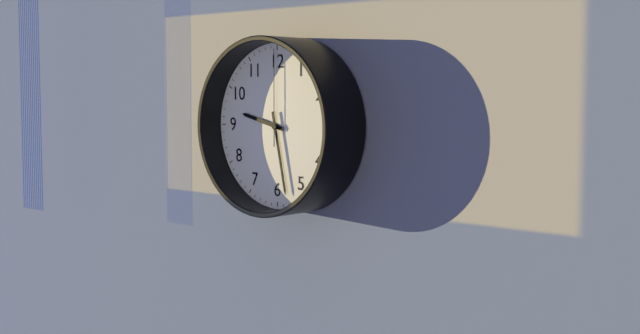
9:28:00
